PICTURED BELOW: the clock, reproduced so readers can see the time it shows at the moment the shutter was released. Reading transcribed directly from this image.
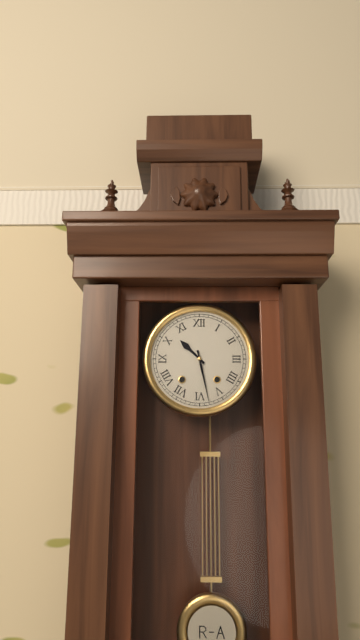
10:28
